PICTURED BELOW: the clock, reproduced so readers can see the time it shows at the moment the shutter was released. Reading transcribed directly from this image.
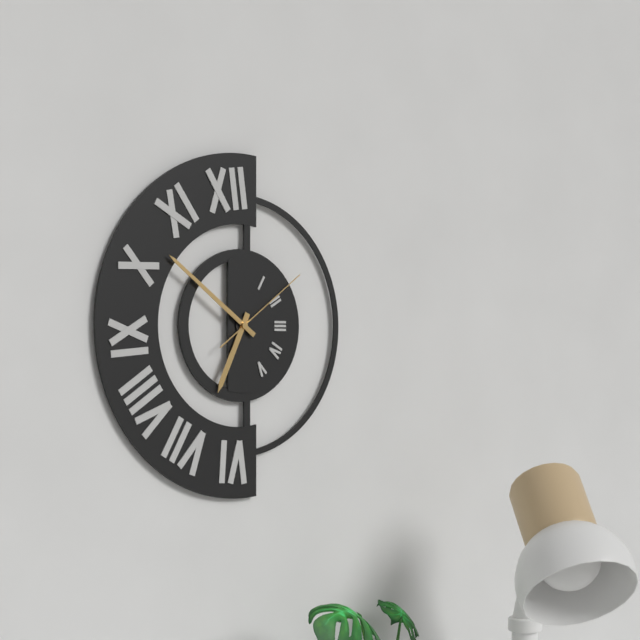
6:51:09
